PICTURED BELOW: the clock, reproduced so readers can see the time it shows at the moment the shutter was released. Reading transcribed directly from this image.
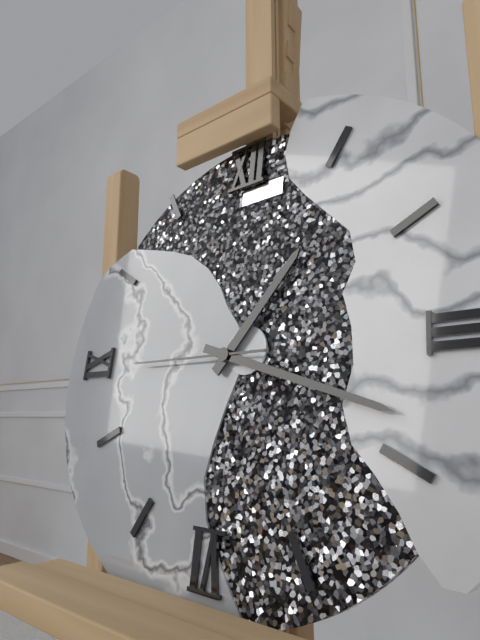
1:18:45
